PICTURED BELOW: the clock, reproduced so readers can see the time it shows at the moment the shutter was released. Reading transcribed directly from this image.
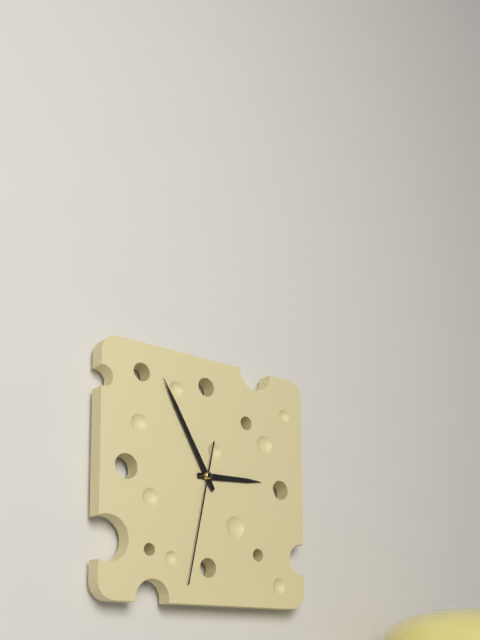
2:55:32
